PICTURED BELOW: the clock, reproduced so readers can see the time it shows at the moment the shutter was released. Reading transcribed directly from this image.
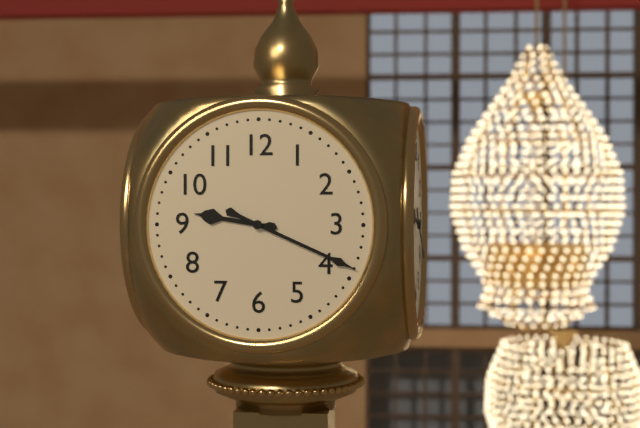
9:19
